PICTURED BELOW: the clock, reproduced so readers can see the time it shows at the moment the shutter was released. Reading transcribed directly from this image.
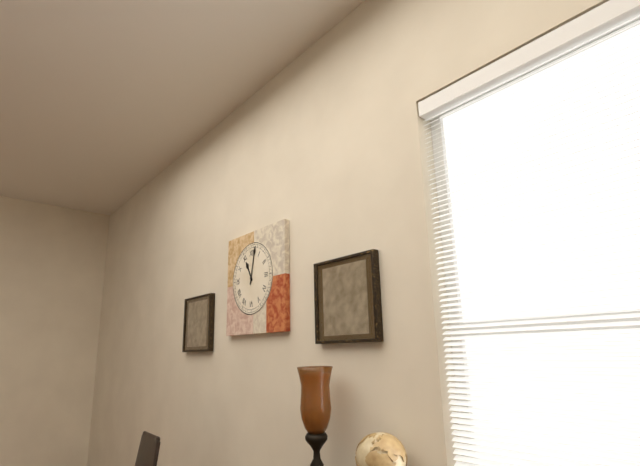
11:02
